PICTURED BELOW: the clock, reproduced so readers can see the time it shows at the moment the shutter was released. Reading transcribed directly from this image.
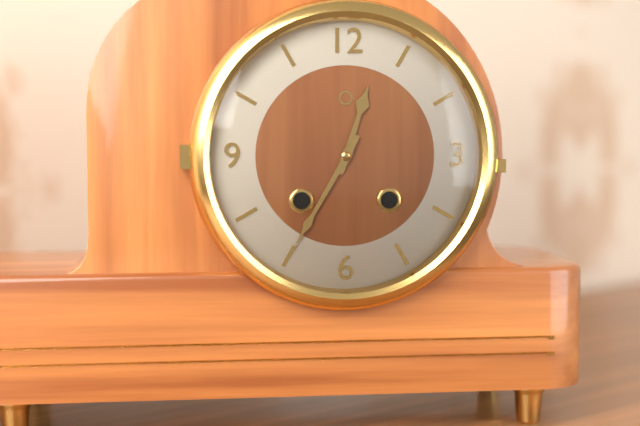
12:35
